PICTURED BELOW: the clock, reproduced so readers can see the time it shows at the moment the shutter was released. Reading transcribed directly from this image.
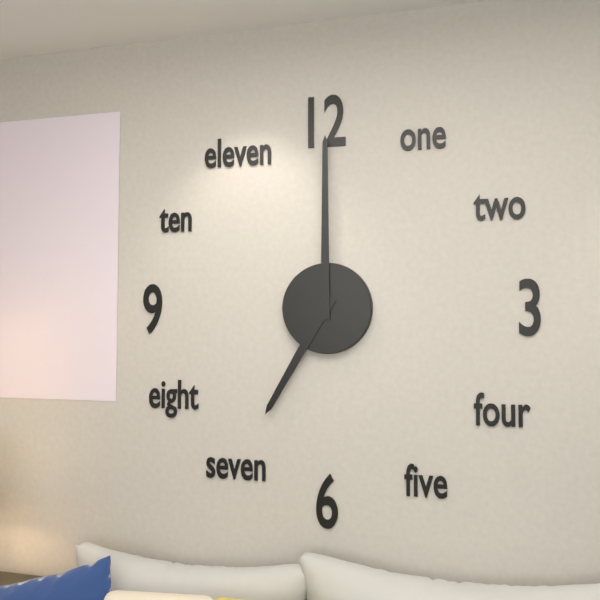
7:00
